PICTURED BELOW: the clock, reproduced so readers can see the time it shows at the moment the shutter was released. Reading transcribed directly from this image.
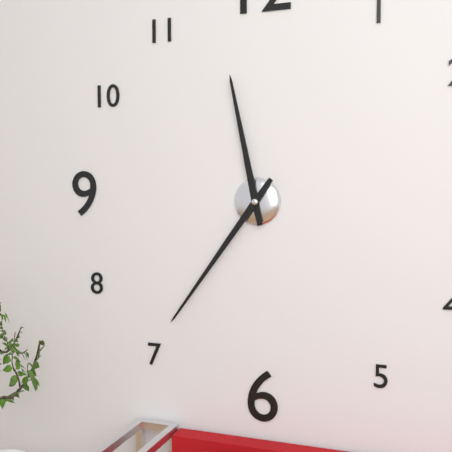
11:36
